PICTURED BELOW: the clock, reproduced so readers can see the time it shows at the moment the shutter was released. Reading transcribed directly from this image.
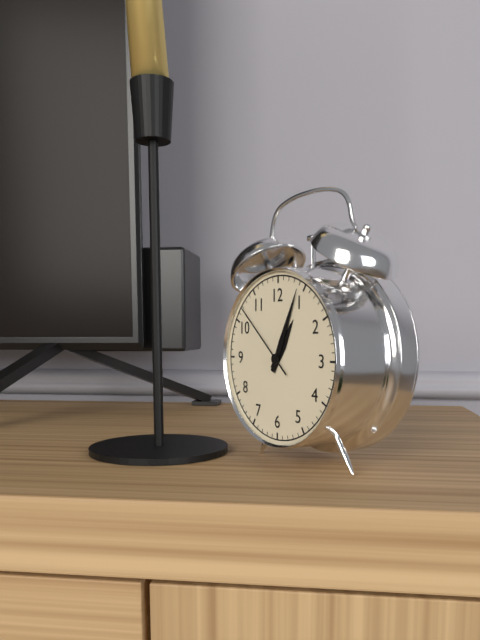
1:04:52
